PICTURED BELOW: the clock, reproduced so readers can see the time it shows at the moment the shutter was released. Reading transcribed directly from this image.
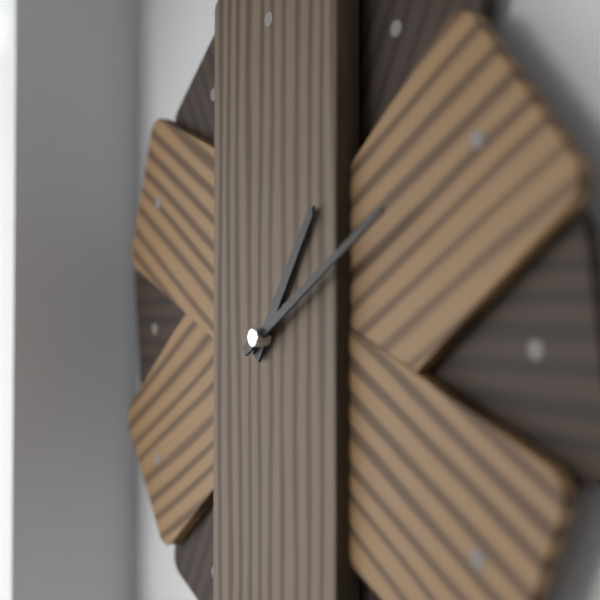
1:10
